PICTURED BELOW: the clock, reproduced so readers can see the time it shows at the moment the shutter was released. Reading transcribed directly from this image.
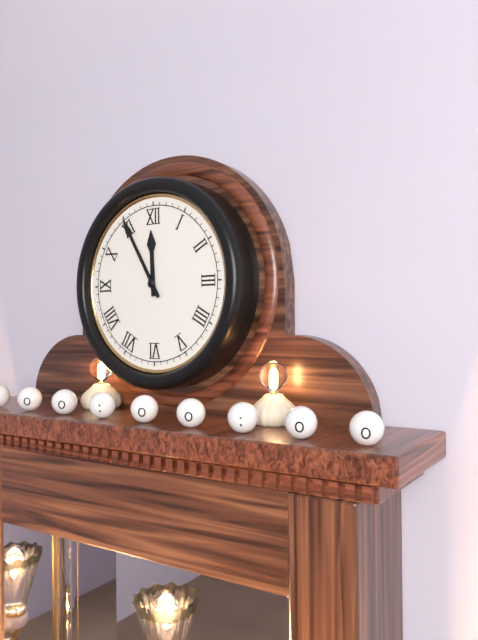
11:55
